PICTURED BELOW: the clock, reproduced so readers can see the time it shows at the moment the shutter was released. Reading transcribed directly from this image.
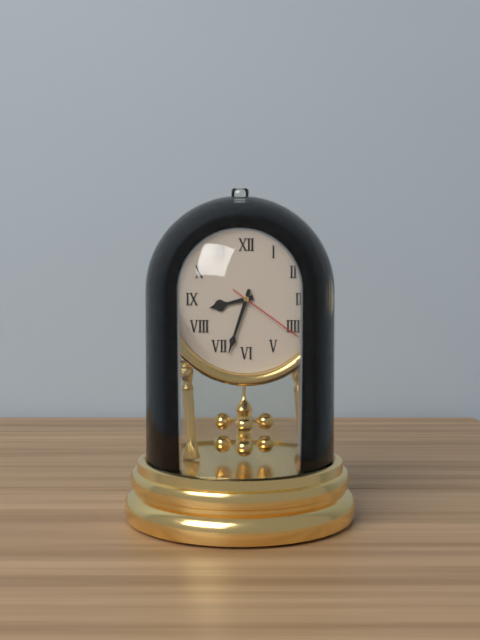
8:33:21
